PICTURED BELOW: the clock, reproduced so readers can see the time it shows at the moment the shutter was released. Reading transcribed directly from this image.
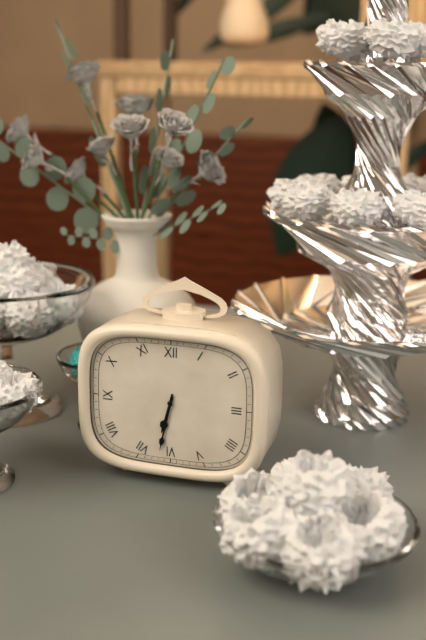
6:32
